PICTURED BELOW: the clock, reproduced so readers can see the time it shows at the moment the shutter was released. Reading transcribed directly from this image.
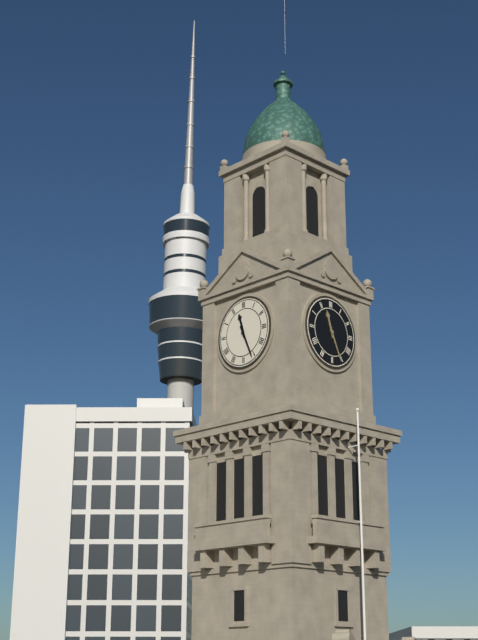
11:26
